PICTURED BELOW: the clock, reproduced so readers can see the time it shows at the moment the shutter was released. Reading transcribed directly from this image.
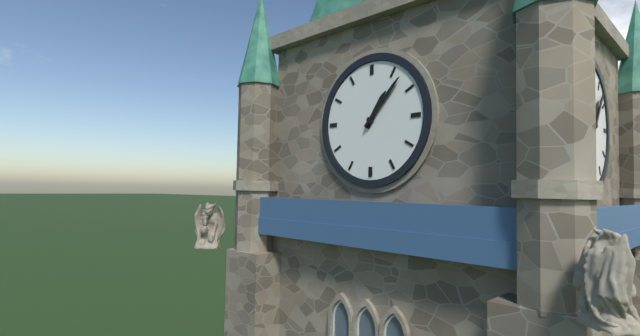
1:07
